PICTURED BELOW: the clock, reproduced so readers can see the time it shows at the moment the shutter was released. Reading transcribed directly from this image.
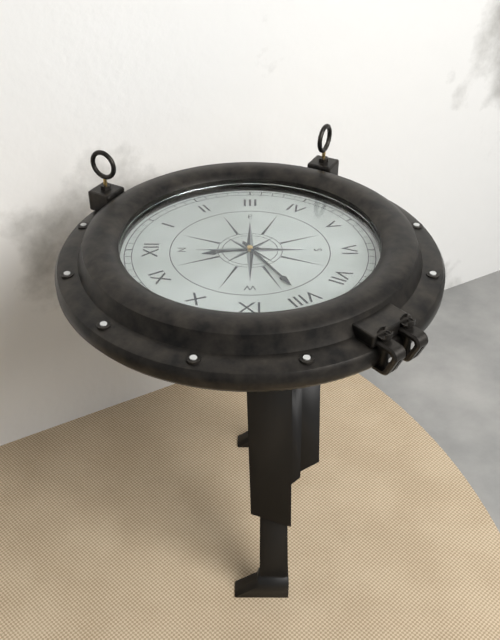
11:40
